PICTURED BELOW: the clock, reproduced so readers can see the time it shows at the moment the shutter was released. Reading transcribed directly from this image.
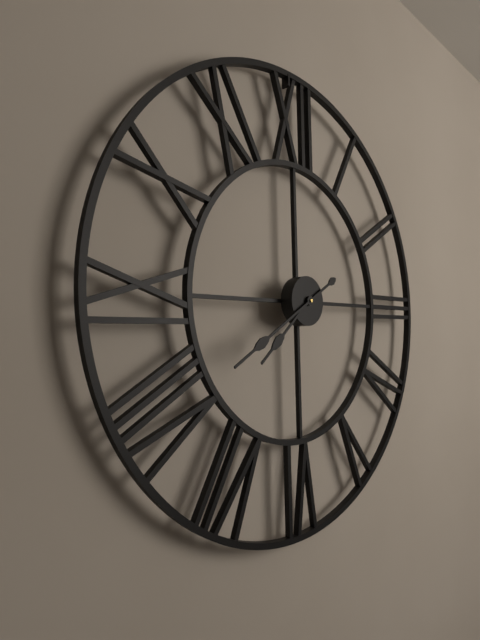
7:40
